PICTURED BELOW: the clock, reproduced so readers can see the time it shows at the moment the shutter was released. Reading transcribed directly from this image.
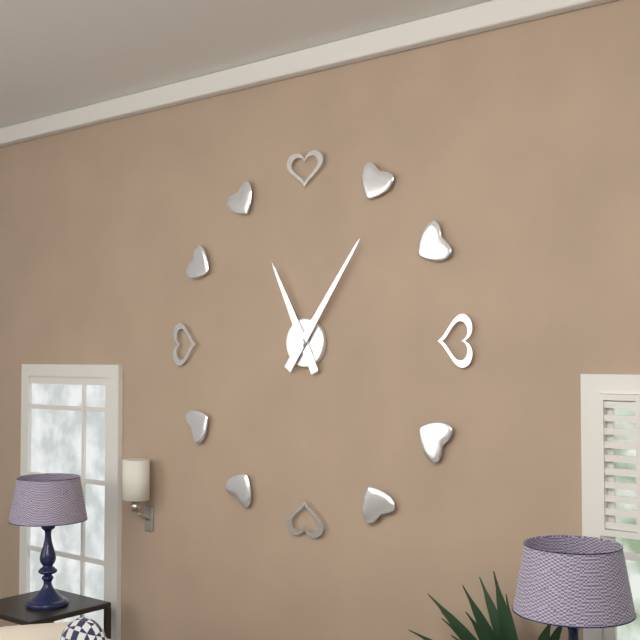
11:06
